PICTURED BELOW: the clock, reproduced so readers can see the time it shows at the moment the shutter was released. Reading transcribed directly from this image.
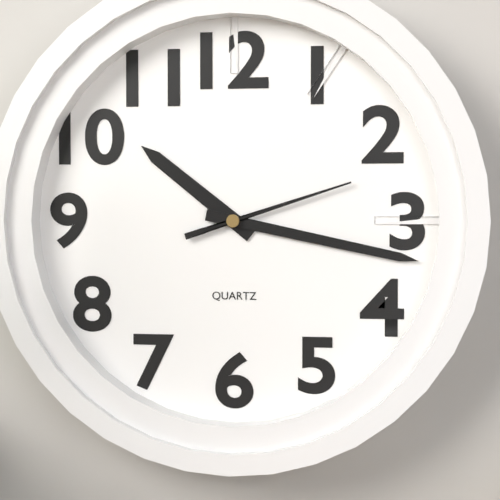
10:17:12
